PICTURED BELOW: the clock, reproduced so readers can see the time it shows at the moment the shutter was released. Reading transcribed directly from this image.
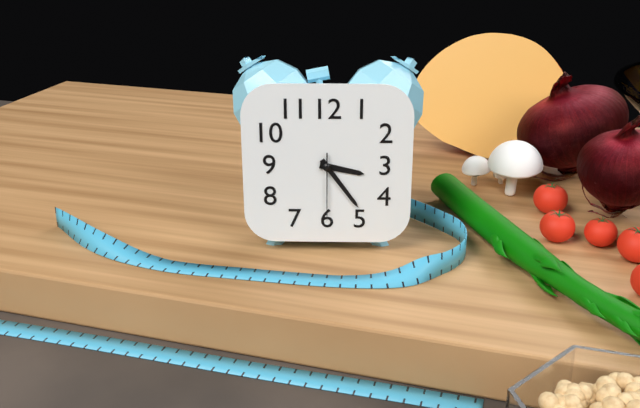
3:24:30
